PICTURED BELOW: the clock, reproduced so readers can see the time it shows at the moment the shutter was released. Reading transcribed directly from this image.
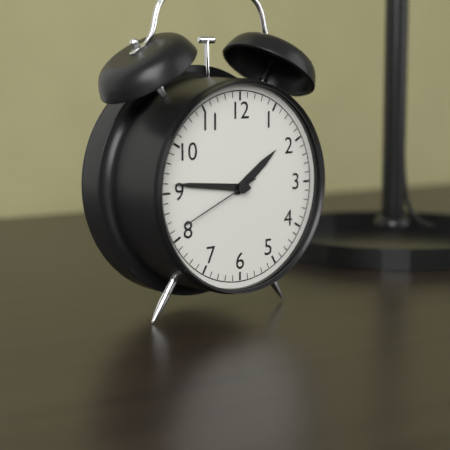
1:46:41
